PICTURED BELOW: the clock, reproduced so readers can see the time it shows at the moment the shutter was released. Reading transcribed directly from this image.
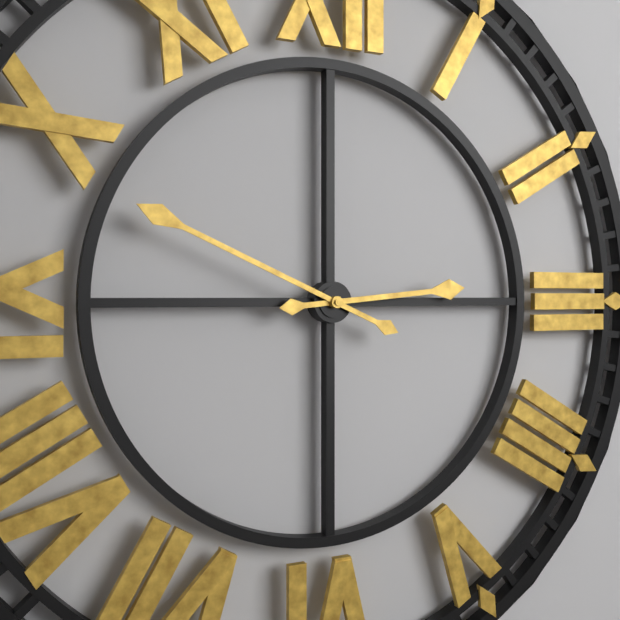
2:49
